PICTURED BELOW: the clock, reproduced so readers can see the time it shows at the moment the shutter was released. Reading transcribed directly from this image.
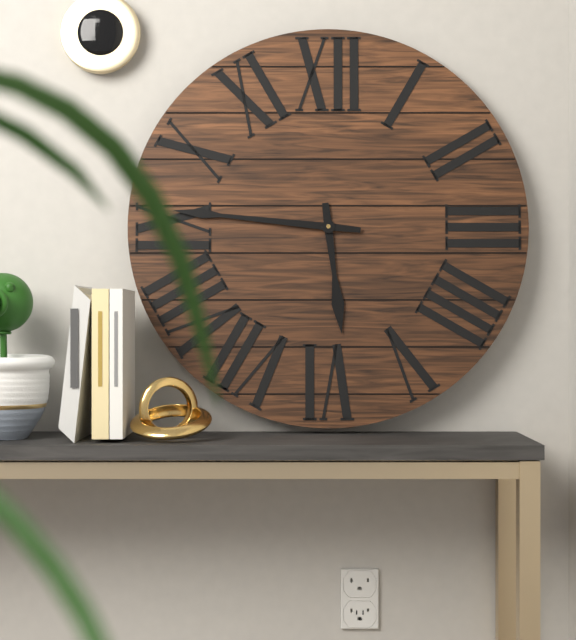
5:46
